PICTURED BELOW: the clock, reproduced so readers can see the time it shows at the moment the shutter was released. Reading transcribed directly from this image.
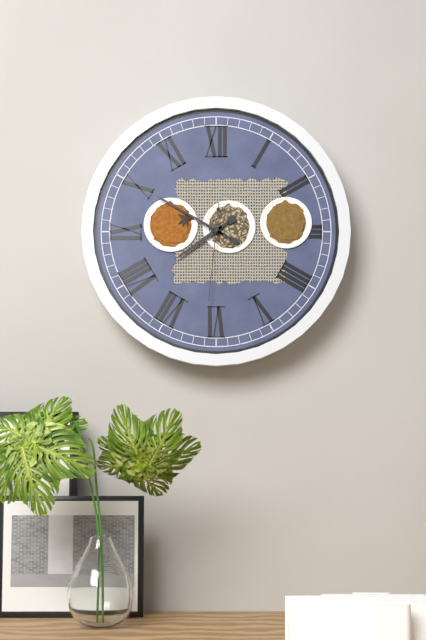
7:50:31
